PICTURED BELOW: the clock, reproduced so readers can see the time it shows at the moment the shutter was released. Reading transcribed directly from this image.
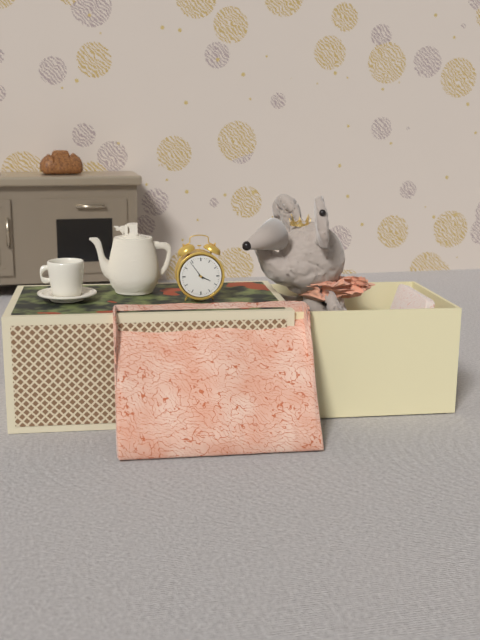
3:54
